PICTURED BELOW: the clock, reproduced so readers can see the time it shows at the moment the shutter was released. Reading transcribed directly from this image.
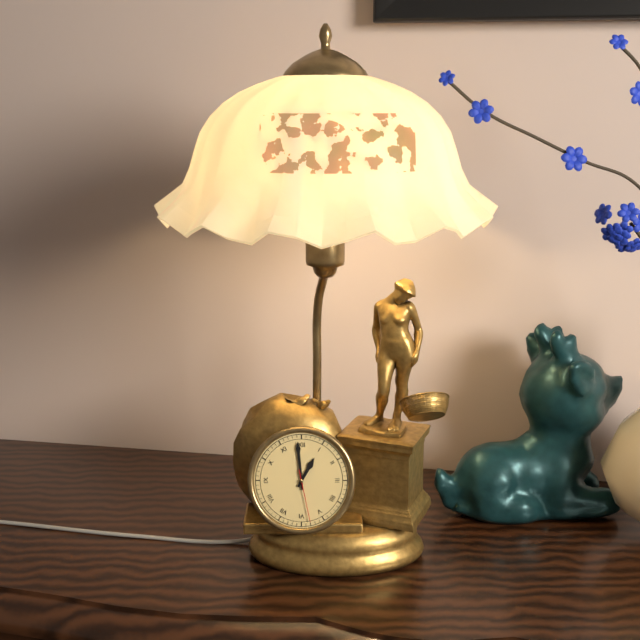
12:59:28
